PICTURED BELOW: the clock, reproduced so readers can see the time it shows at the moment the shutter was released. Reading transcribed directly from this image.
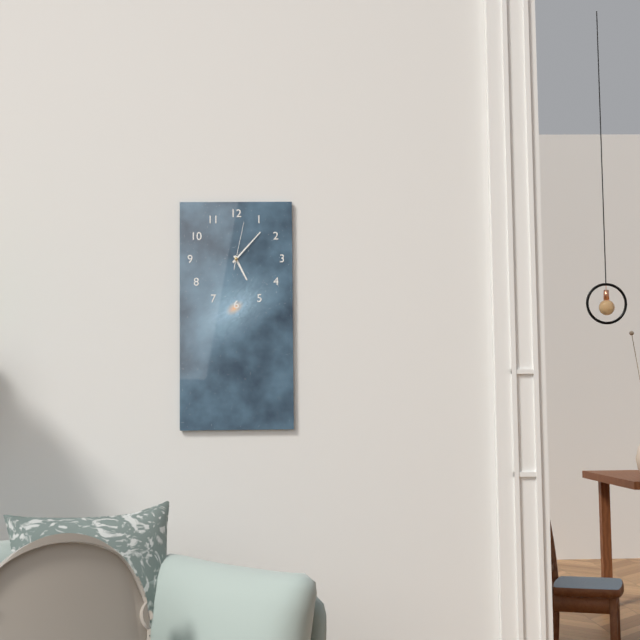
5:07
